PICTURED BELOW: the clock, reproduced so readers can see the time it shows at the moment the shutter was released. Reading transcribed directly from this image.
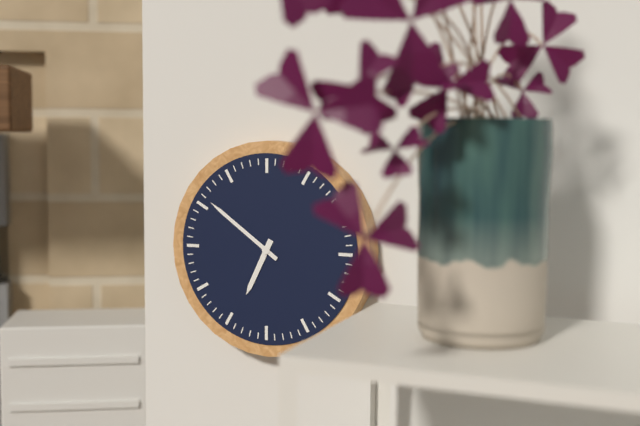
6:51
